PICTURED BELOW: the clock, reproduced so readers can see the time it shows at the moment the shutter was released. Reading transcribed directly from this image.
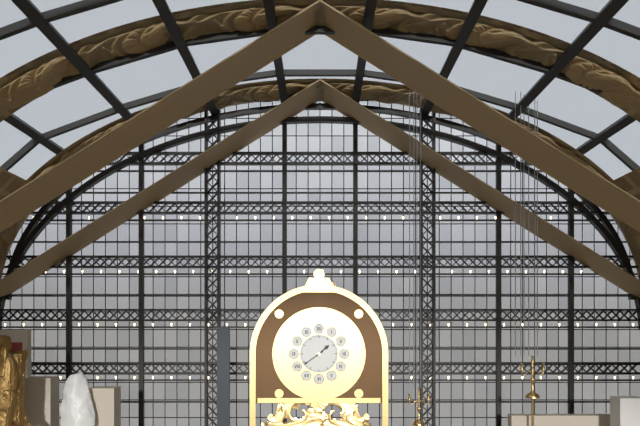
1:39
